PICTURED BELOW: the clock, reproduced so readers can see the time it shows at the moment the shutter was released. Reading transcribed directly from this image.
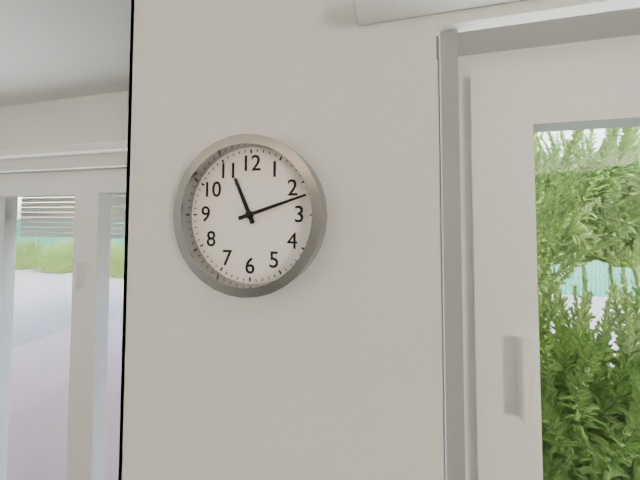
11:12
